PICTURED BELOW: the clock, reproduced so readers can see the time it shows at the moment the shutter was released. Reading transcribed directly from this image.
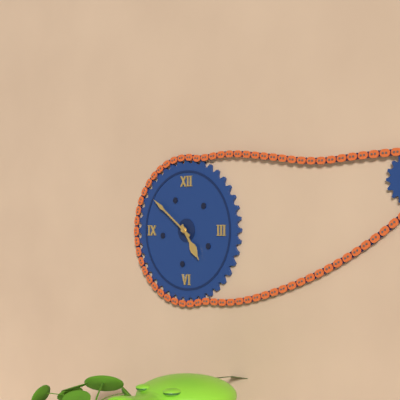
4:51
